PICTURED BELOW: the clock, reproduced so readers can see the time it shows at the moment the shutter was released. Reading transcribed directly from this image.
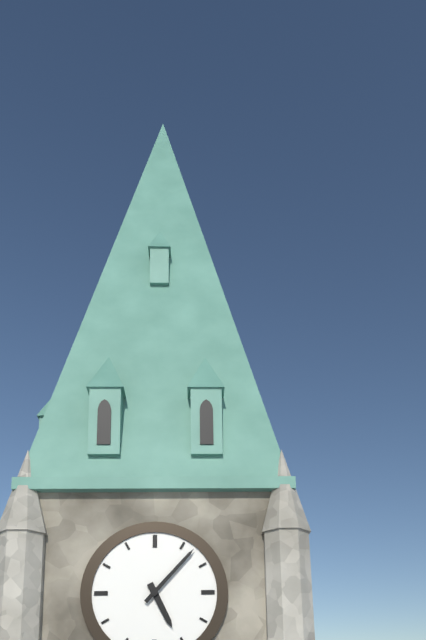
5:07
